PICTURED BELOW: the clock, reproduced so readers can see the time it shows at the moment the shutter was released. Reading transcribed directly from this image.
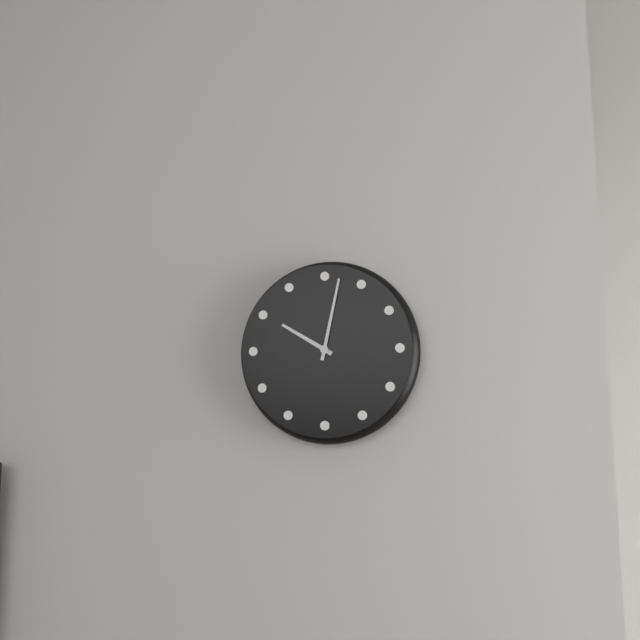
10:02
